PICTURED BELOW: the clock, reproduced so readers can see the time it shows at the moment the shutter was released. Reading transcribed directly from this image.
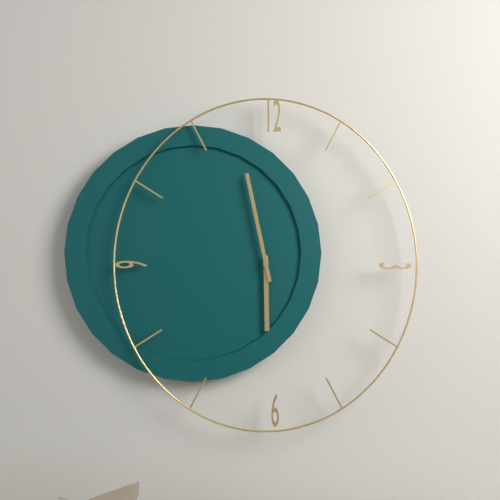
5:58
